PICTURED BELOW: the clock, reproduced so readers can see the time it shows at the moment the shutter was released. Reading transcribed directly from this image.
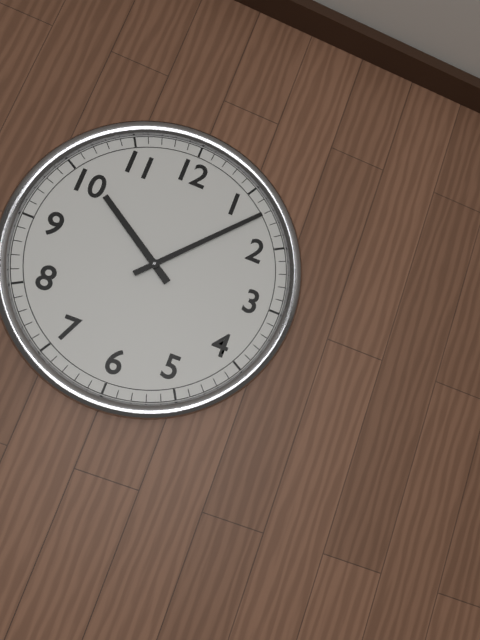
10:07
